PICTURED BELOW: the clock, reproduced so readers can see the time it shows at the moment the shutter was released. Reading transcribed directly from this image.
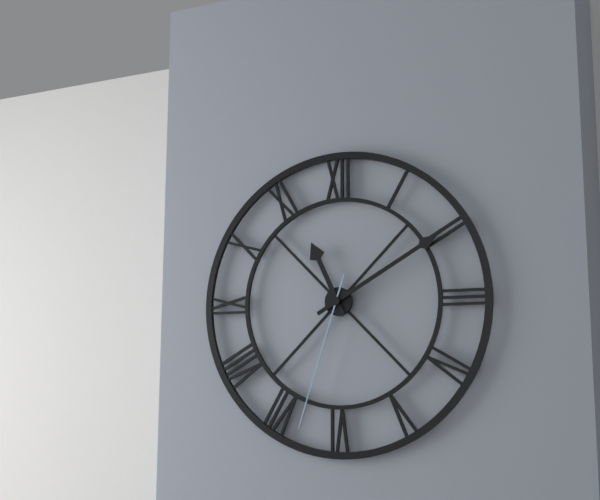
11:10:33
